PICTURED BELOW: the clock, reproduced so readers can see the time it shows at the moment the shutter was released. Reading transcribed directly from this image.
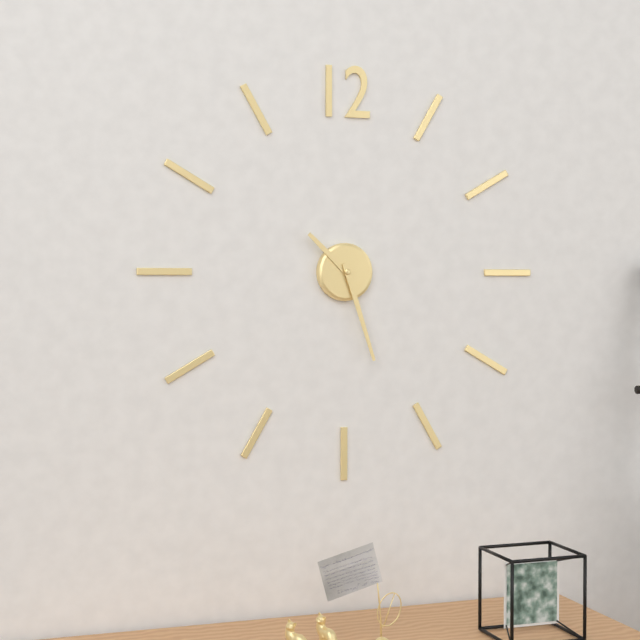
10:27
